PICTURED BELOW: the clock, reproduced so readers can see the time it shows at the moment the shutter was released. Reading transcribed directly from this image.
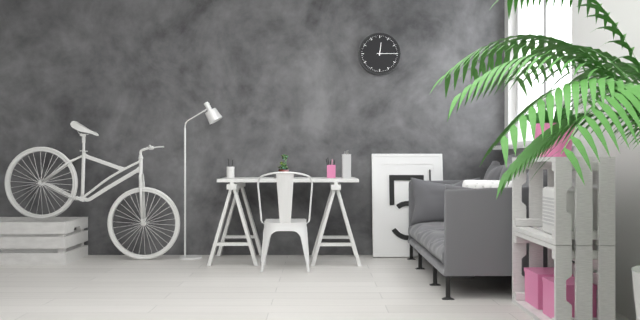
12:15
